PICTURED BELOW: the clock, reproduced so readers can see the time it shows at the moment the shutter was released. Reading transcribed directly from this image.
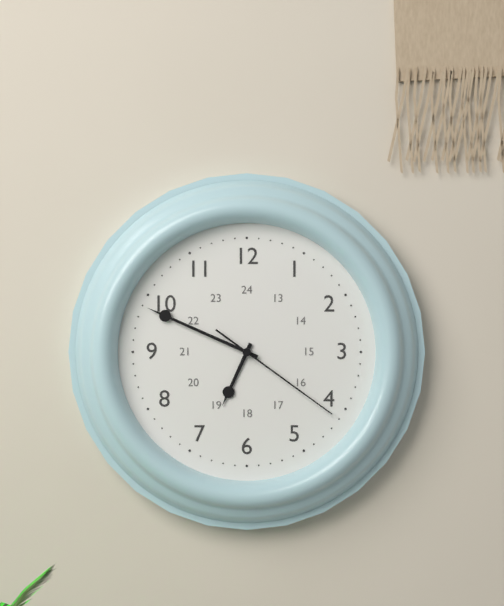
6:49:21
